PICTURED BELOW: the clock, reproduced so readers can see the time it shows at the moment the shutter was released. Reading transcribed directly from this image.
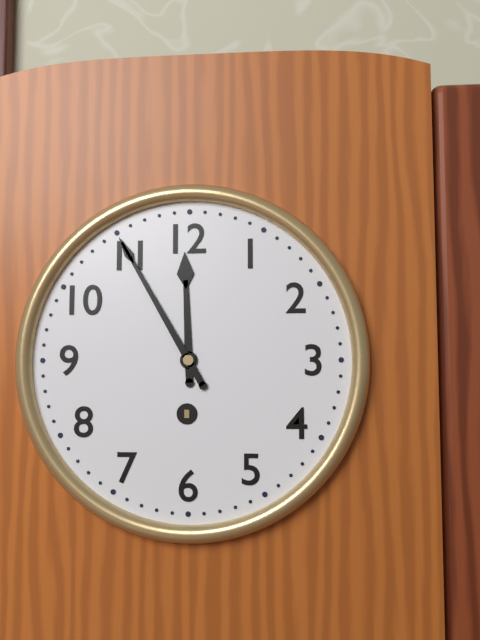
11:55
